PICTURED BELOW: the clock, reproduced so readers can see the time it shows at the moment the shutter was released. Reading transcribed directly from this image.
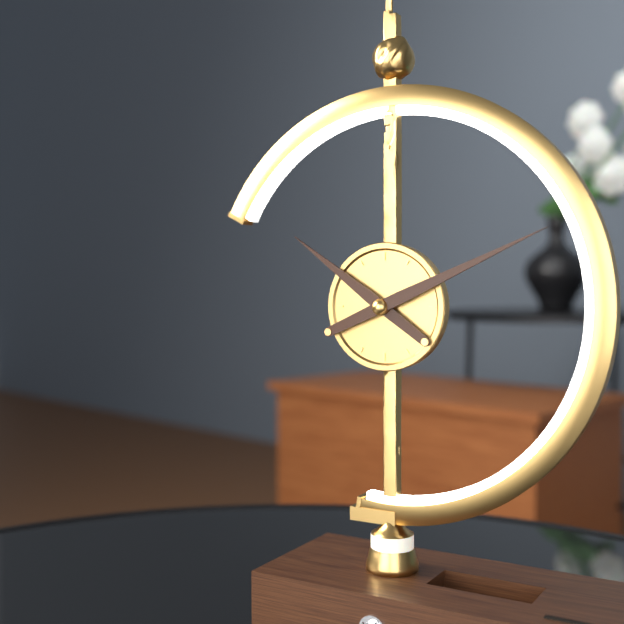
10:11
